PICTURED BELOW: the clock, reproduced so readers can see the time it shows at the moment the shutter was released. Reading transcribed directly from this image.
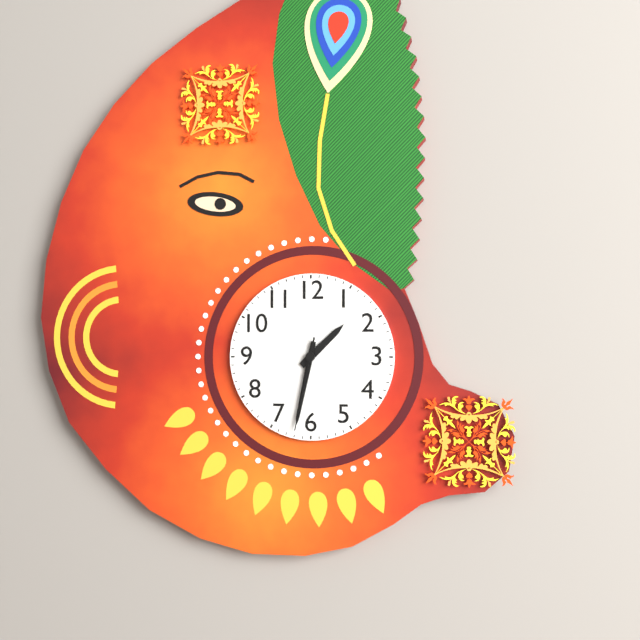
1:32:32
